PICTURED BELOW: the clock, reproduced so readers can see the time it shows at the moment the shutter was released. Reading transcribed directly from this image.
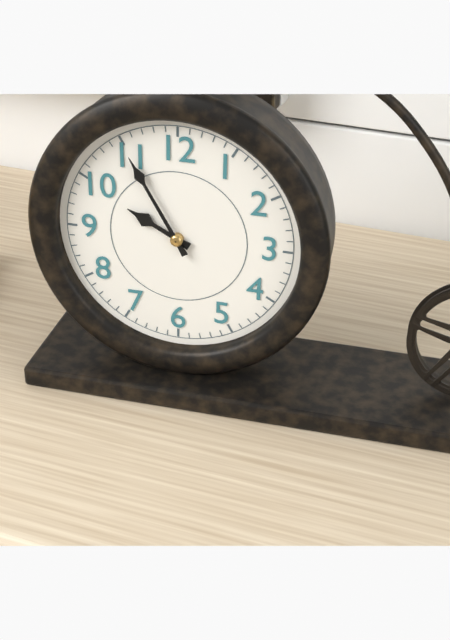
9:55
